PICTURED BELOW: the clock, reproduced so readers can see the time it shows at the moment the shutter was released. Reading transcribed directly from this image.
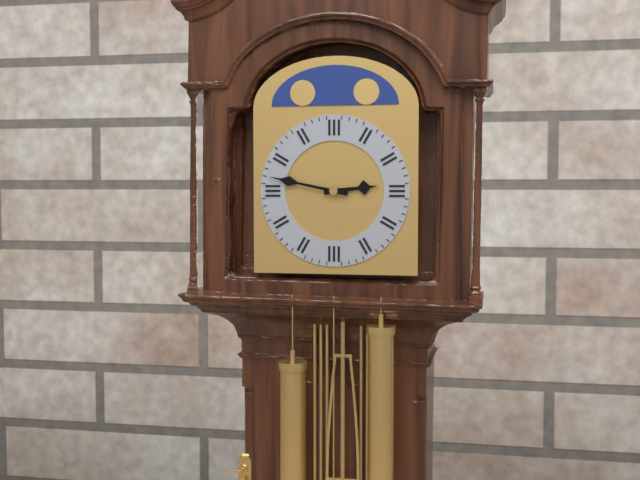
2:47
